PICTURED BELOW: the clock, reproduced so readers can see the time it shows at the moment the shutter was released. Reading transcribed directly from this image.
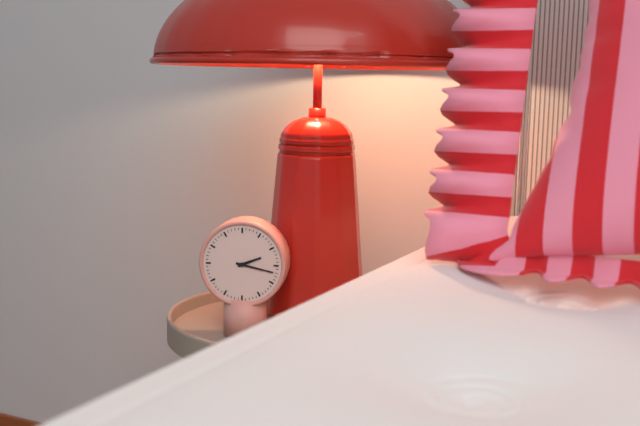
2:17
